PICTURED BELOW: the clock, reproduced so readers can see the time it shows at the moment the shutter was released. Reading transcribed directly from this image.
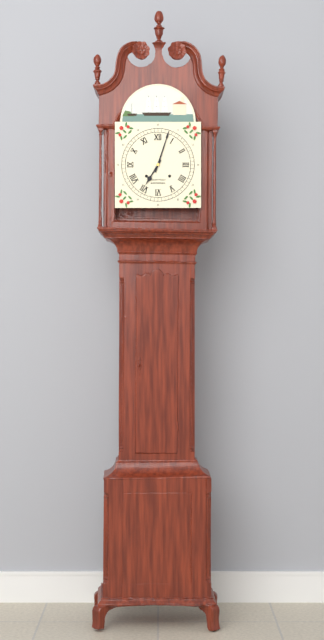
7:03
